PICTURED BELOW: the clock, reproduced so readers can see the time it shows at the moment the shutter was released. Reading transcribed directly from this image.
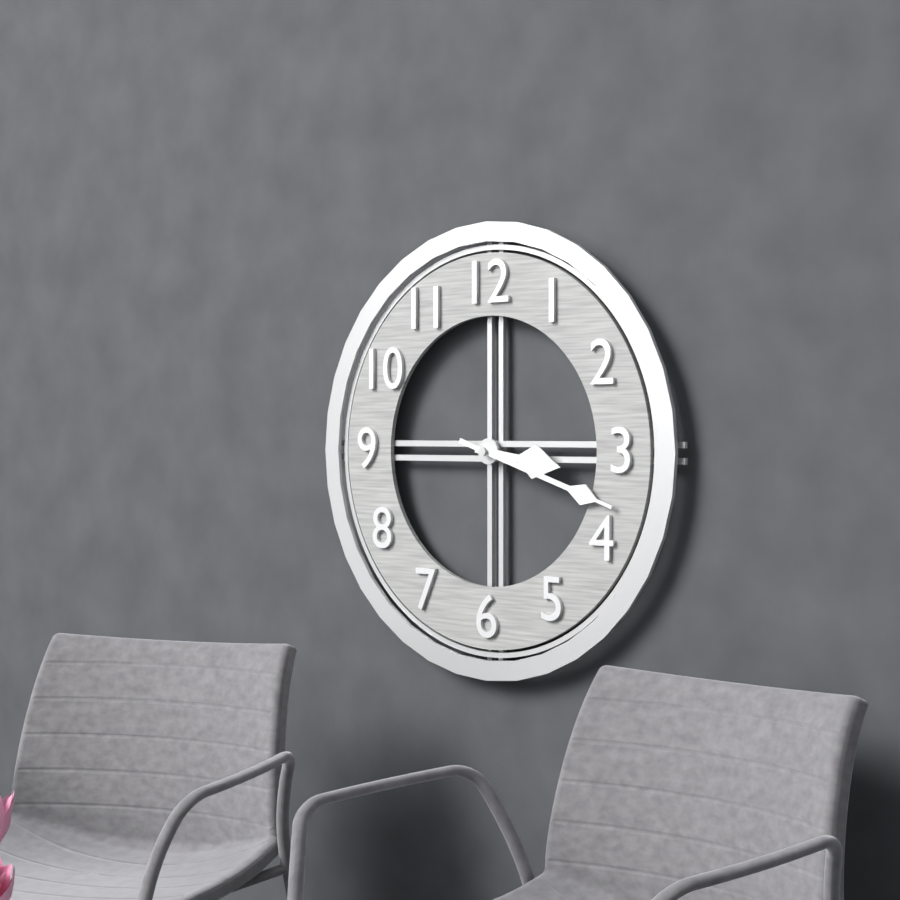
3:18
